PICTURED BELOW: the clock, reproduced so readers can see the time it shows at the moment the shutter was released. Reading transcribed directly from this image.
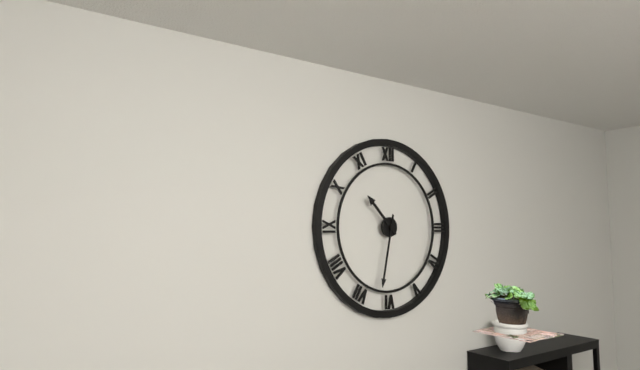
10:32
